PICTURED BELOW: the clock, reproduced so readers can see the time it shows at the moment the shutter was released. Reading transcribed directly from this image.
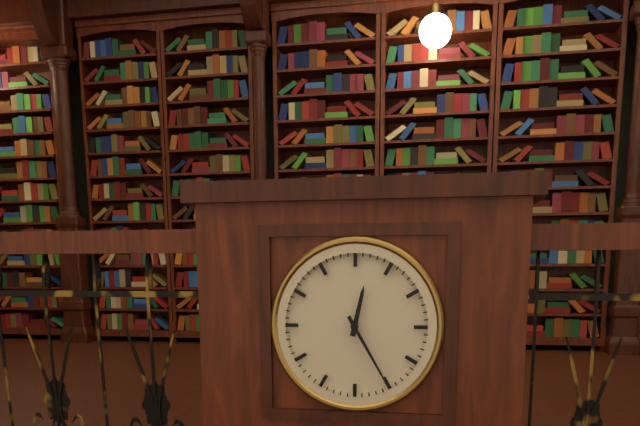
12:25
